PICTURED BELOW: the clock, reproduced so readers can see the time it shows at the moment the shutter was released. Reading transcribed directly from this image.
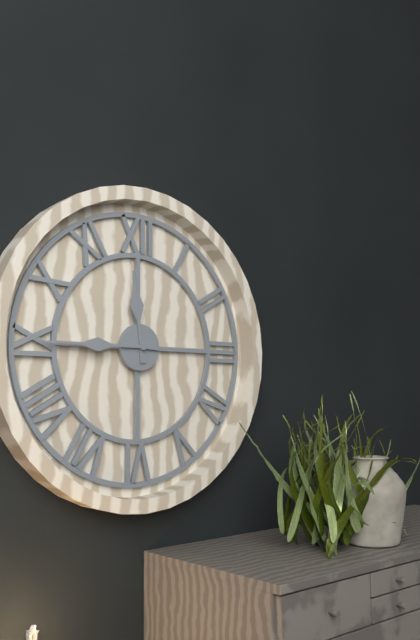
11:45
